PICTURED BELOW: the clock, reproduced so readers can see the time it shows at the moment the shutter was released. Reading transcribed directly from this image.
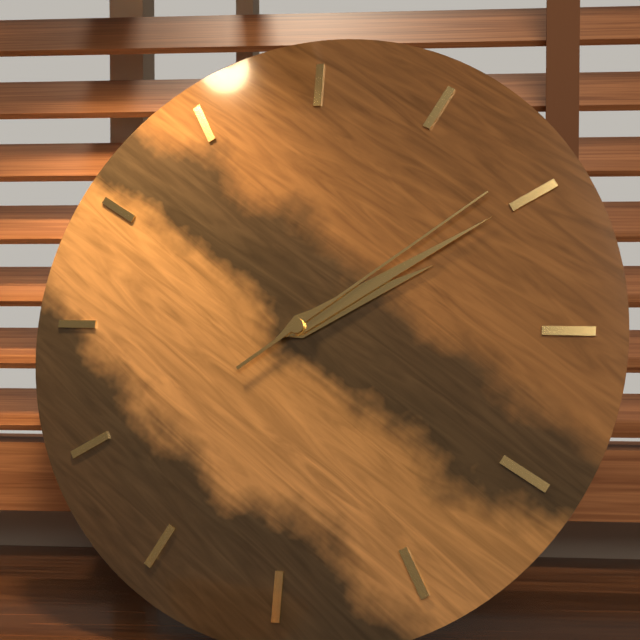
2:10:09
